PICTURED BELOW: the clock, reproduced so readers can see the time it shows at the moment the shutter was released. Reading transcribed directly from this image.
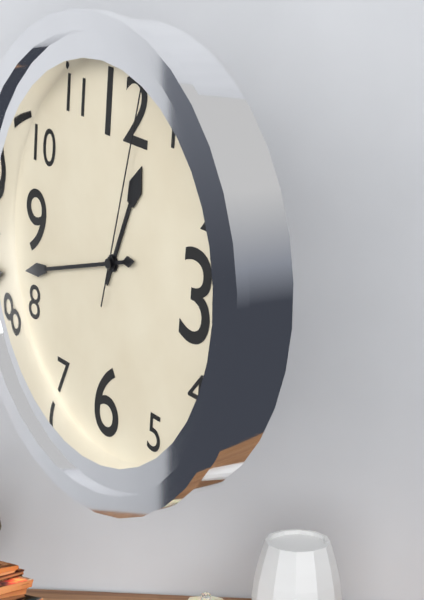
12:42:02
